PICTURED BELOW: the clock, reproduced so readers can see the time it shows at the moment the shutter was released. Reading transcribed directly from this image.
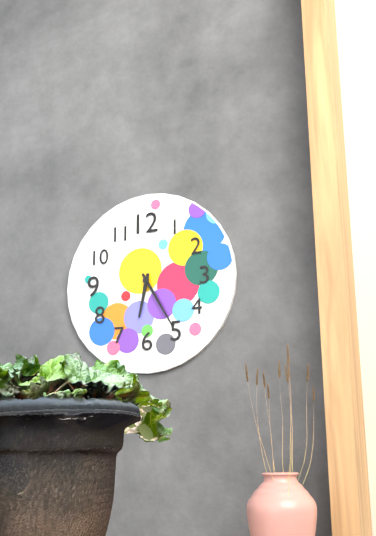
6:25
